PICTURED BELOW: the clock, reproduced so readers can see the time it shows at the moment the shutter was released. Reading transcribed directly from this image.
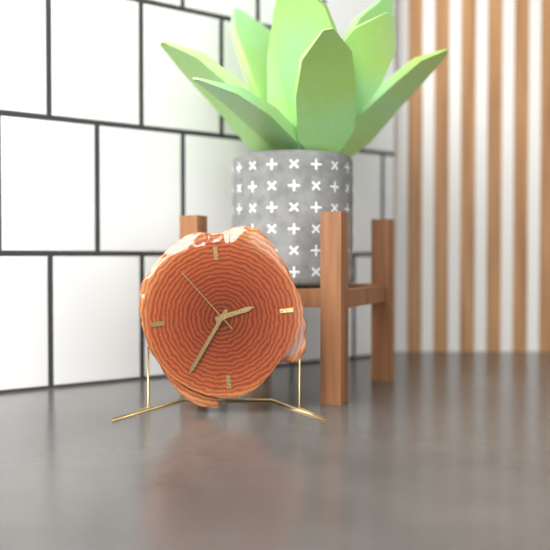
2:36:54
